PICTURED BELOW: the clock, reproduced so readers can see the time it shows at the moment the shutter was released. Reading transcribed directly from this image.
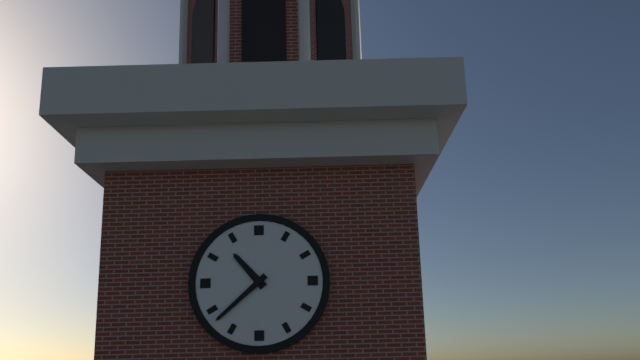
10:38
